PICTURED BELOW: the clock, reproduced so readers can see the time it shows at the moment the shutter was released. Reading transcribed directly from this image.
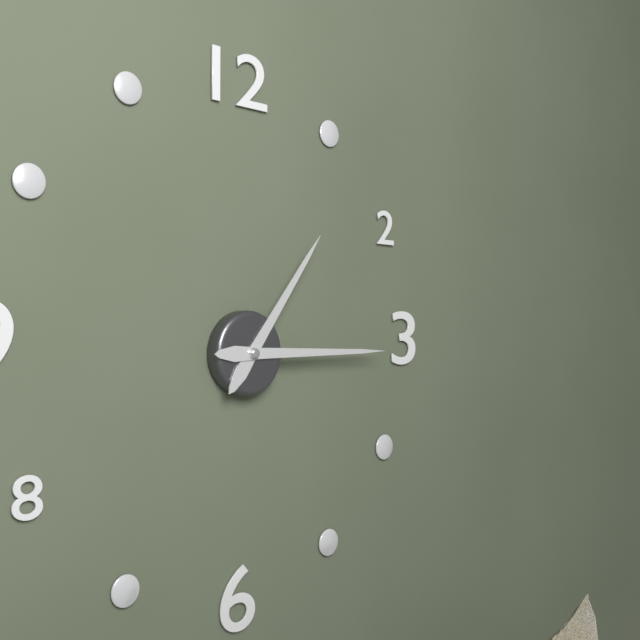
1:15
